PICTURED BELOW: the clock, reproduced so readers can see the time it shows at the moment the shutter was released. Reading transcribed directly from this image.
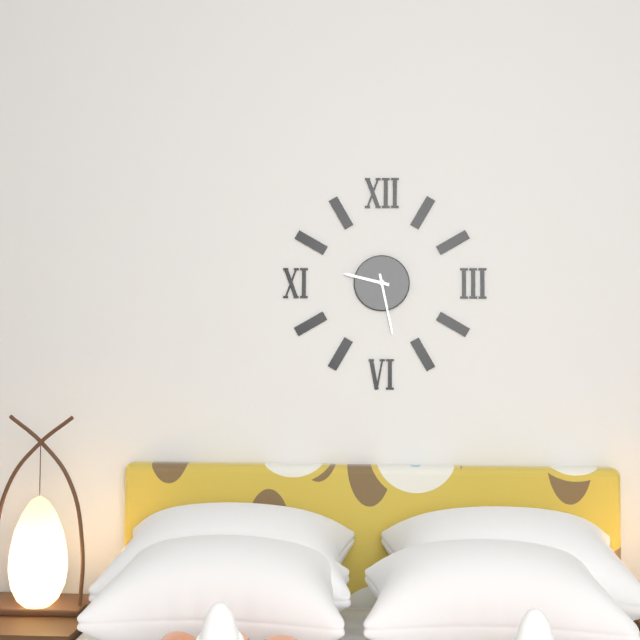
9:28
